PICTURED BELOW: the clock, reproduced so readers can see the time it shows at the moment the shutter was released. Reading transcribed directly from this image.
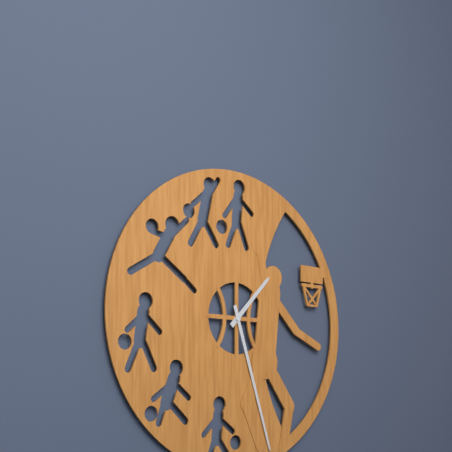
1:27
